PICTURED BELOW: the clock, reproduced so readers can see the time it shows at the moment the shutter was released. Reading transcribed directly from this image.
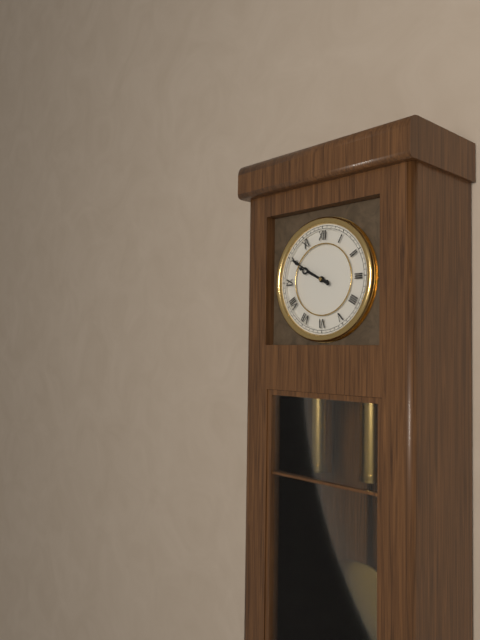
9:50
